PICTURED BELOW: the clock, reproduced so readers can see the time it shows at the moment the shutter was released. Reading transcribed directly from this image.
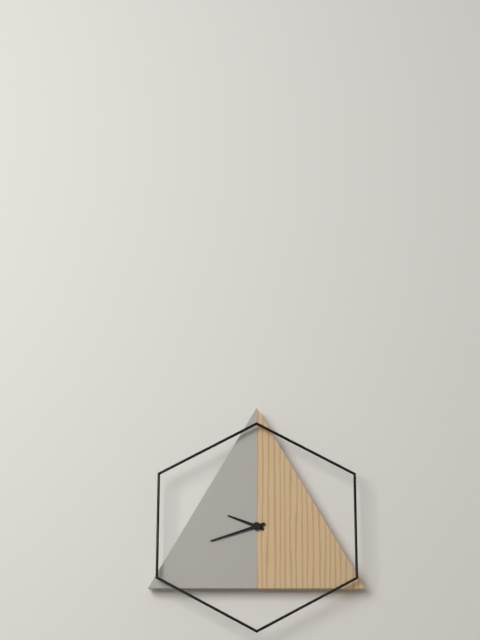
9:42
